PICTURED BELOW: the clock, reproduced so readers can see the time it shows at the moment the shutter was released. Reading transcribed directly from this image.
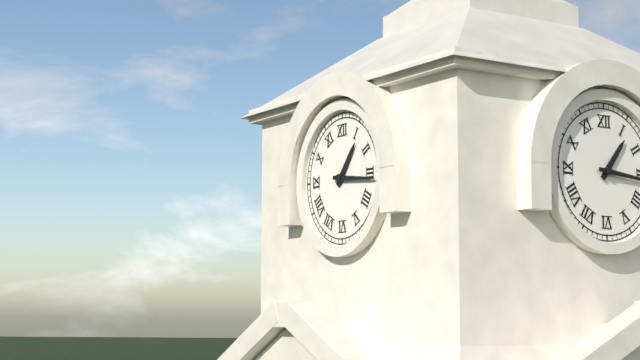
1:16
